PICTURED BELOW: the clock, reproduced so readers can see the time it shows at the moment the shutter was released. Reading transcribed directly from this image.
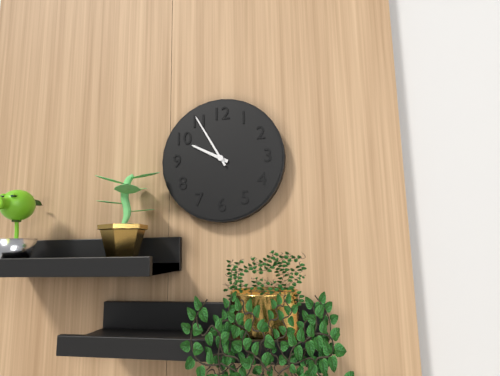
9:55
